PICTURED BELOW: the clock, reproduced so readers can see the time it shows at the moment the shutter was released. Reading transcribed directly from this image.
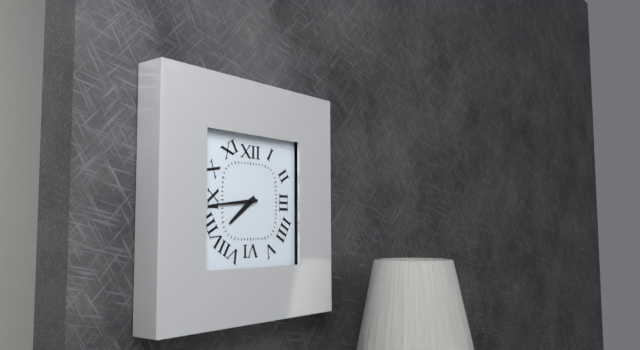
7:44
